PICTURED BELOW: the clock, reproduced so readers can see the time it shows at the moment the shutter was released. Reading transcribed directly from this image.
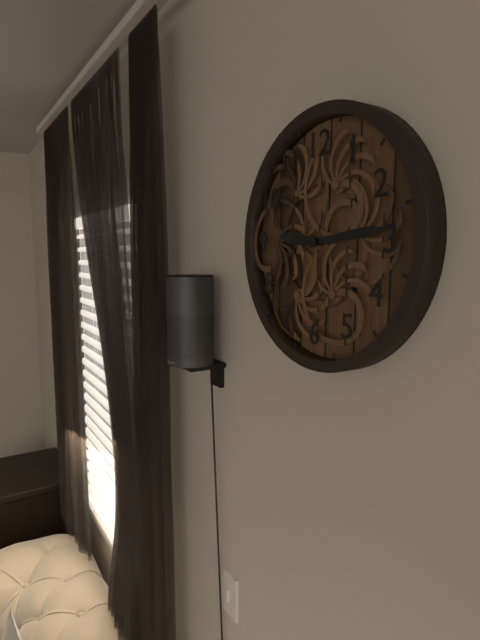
9:14
